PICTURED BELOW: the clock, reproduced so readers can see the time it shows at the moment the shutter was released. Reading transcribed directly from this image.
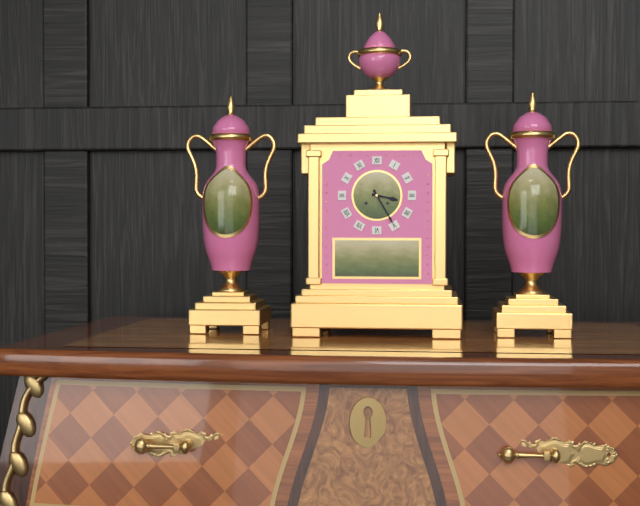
3:25
